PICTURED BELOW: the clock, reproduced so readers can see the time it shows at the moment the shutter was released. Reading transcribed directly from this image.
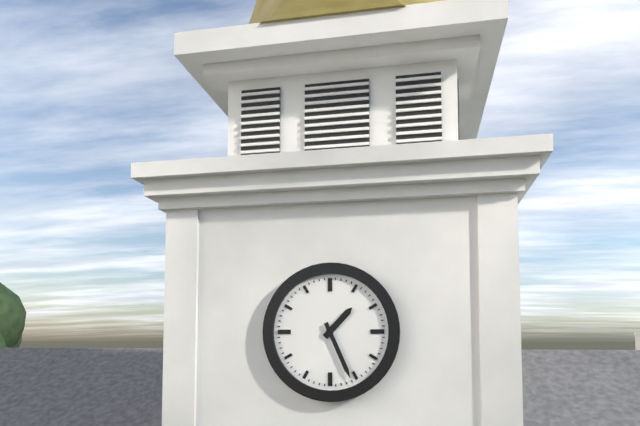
1:26
